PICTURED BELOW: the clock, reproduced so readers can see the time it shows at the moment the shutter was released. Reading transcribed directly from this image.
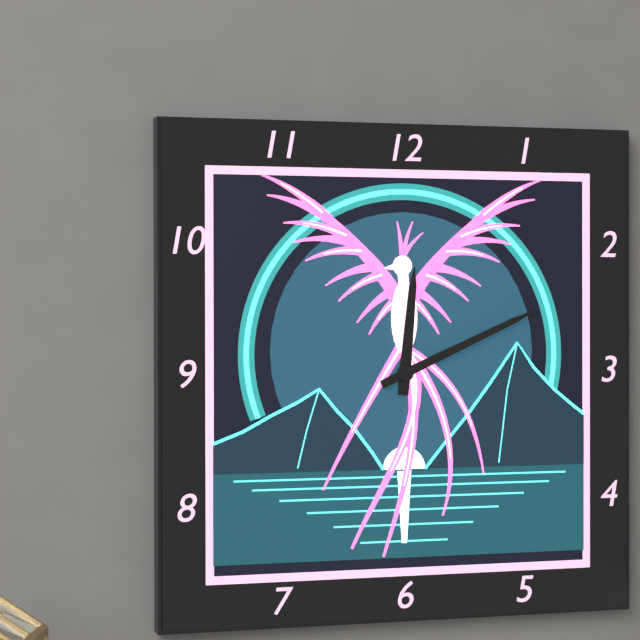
12:11
